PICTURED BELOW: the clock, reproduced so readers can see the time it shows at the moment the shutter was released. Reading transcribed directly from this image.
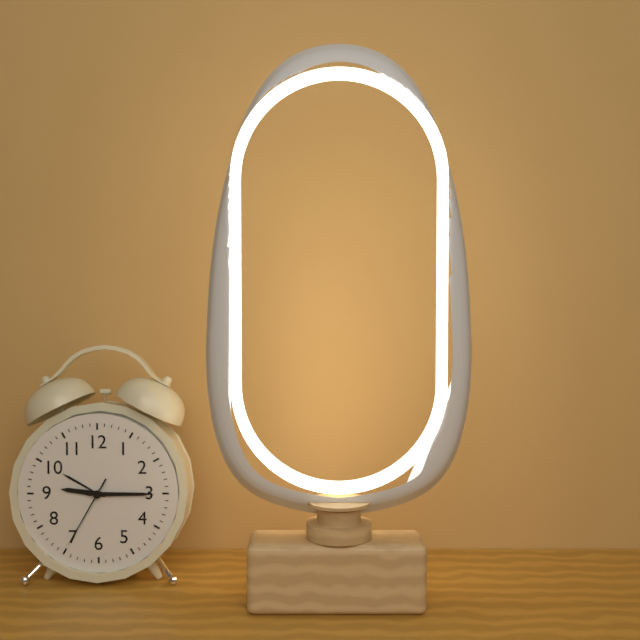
9:15:35
